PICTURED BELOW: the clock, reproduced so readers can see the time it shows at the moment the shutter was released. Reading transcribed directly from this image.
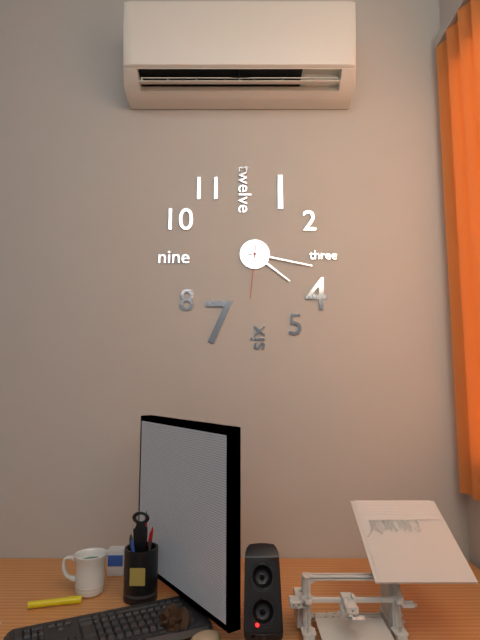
4:17:31
